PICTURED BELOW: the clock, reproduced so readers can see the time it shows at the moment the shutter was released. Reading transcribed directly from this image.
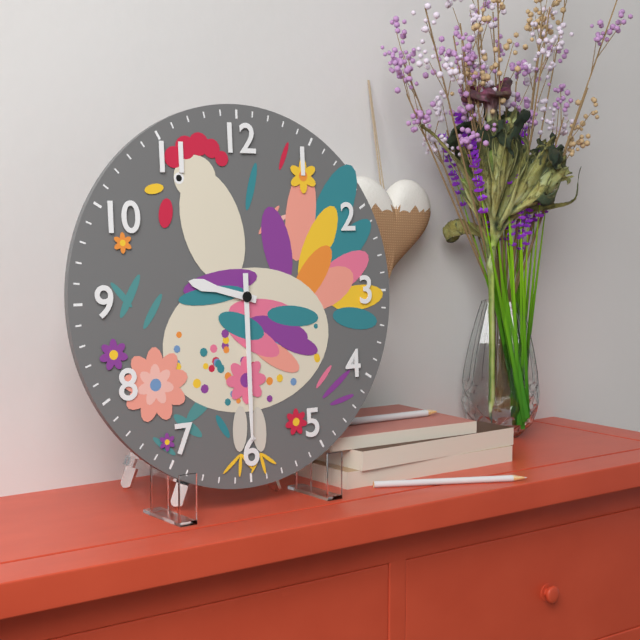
9:30
